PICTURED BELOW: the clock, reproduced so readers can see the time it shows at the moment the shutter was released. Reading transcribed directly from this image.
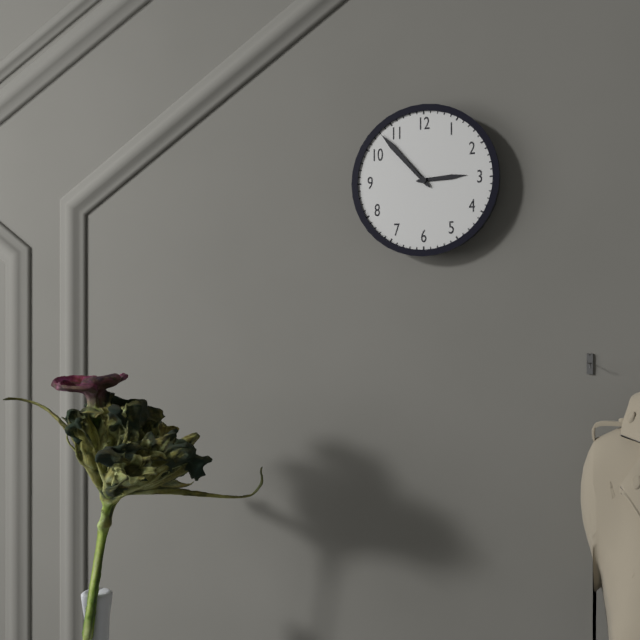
2:53
